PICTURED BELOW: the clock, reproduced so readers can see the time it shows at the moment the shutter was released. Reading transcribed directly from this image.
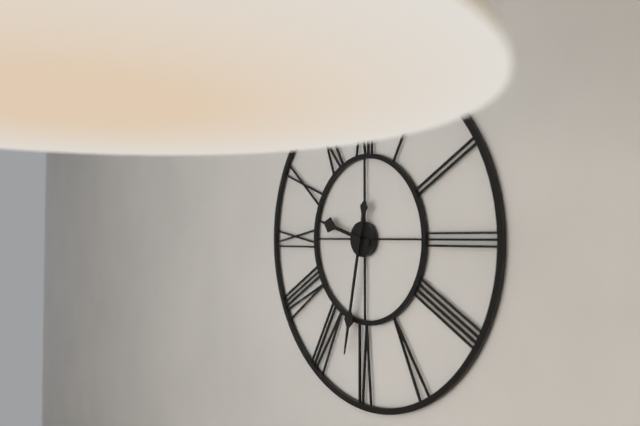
9:32
